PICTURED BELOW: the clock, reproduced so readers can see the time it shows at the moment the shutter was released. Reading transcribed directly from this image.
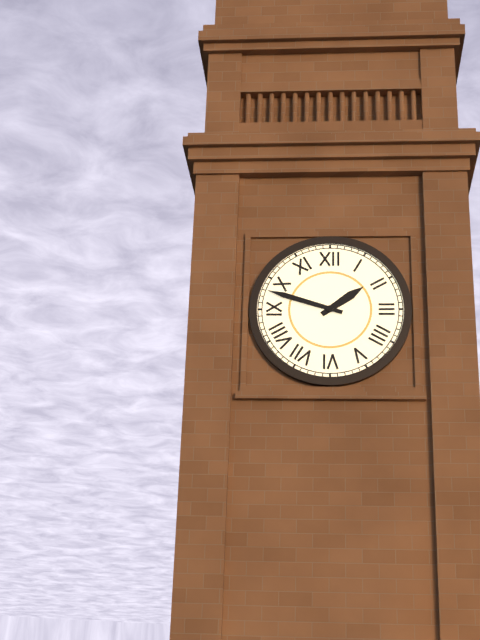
1:48
